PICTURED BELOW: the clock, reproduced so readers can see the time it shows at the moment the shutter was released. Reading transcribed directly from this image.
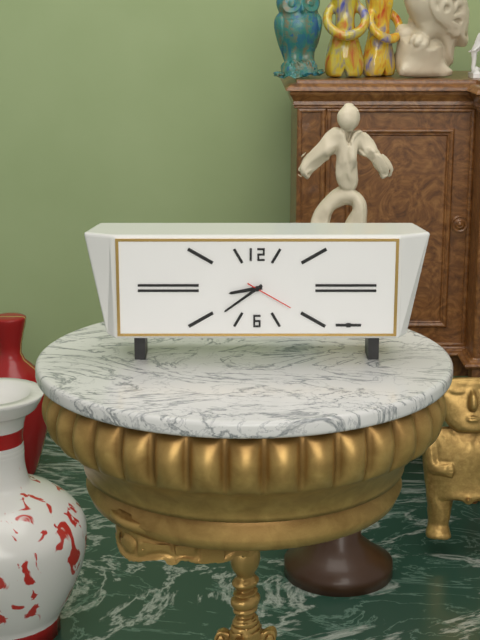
8:39
